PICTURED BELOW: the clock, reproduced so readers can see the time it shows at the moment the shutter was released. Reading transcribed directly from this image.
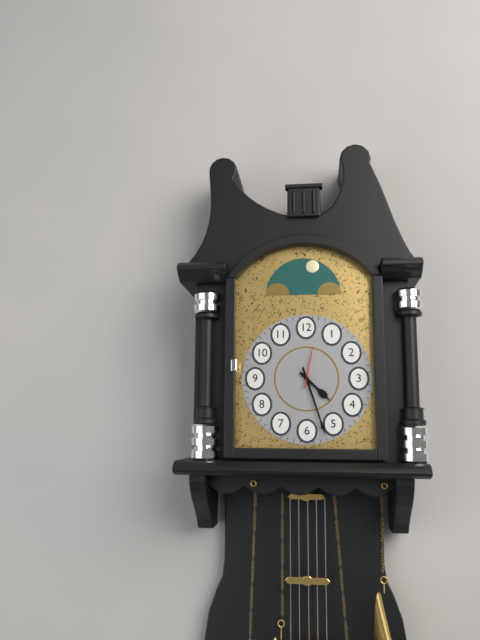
4:27
